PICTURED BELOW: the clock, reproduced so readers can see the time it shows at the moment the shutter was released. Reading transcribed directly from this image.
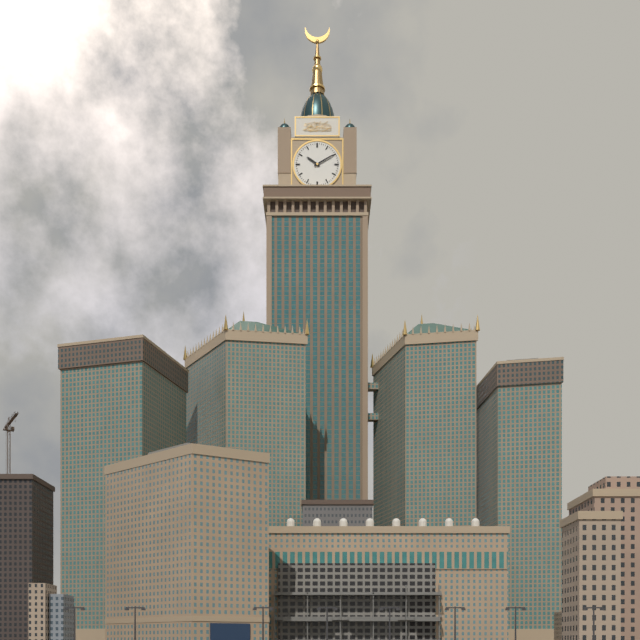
10:10
